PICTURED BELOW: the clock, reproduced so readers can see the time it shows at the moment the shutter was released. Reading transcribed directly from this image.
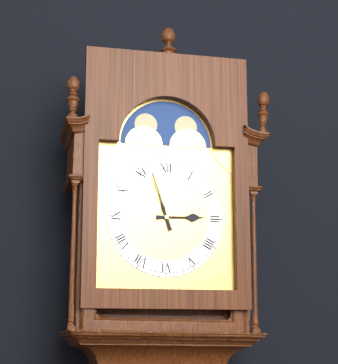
2:57
